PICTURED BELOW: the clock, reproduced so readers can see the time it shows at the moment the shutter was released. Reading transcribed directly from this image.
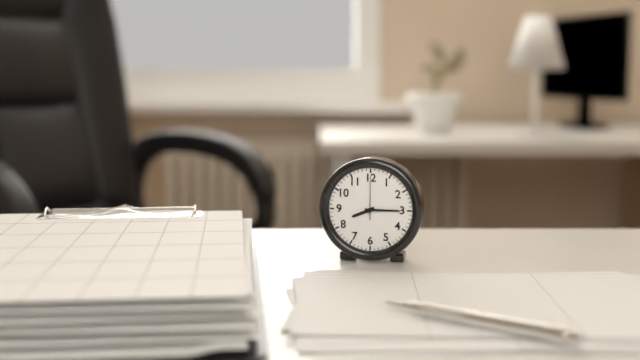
8:15
